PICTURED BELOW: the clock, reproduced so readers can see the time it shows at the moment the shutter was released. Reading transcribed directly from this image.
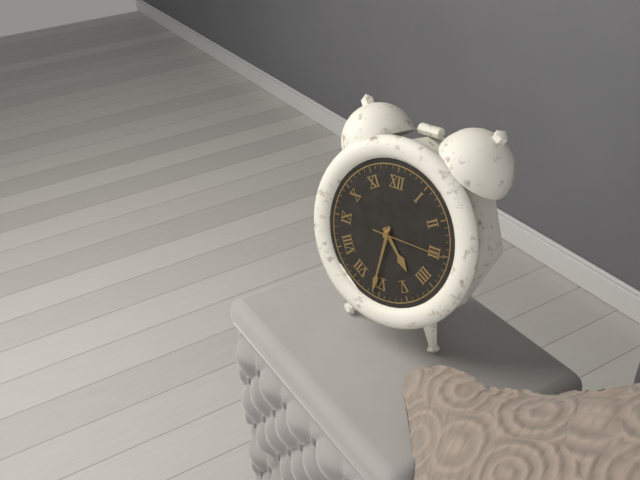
4:31:15
